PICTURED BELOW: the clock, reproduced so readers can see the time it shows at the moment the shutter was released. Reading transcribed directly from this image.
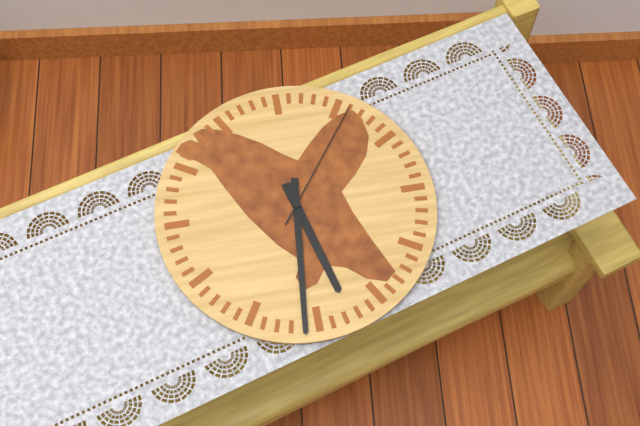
5:31:06
